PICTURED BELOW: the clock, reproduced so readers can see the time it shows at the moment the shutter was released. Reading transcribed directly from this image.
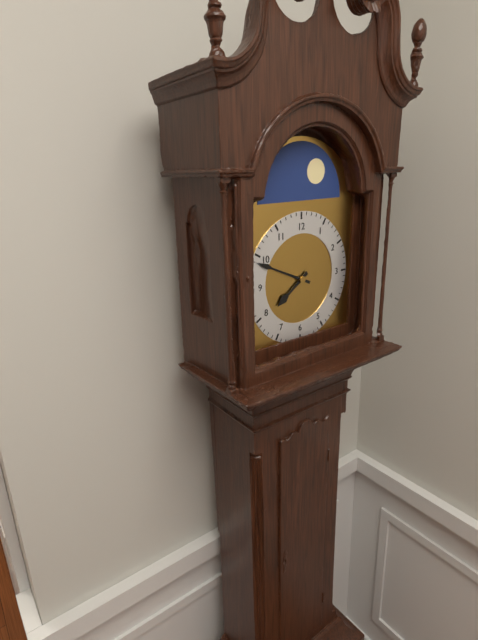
7:49
